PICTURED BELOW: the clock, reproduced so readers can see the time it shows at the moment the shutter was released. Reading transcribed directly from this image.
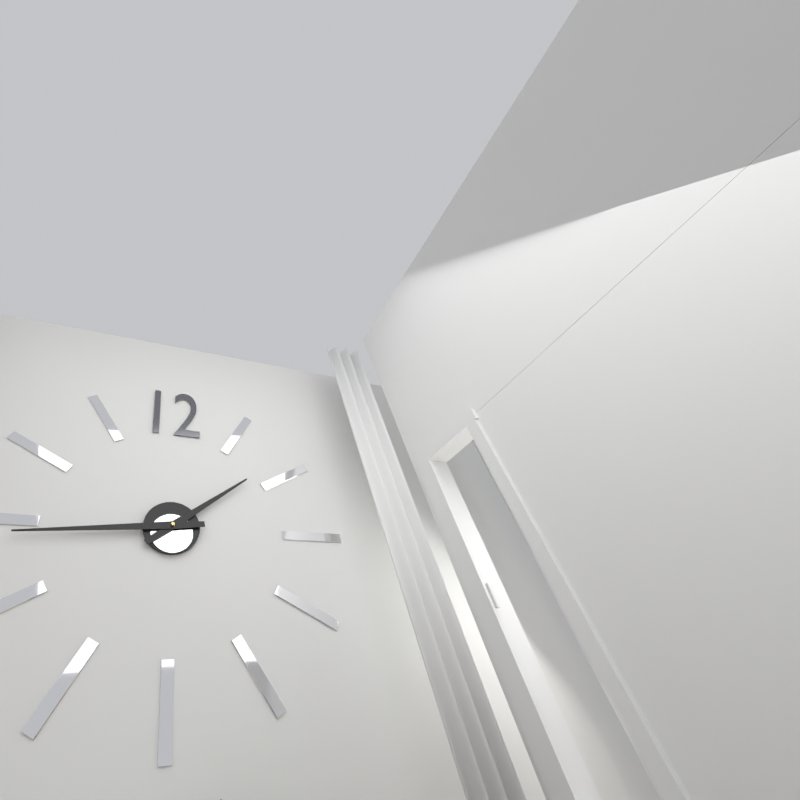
1:44
